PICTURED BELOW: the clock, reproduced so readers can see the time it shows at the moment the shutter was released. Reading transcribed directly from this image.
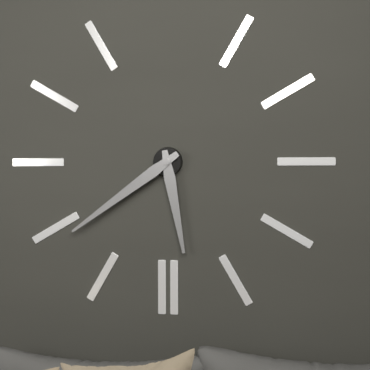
5:39
